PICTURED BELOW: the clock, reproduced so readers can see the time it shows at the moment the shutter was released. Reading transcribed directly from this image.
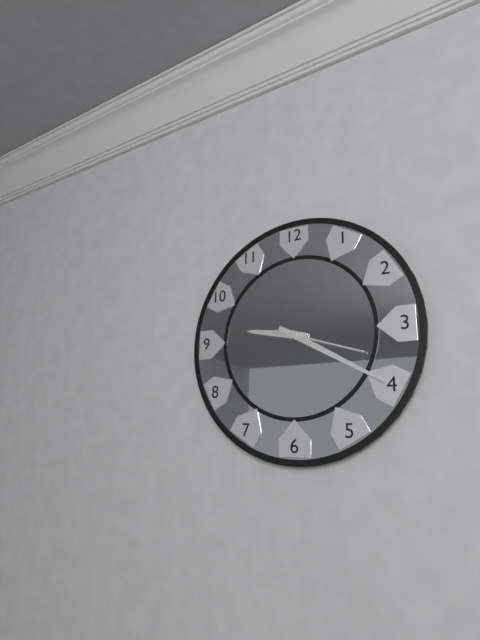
9:20:18
